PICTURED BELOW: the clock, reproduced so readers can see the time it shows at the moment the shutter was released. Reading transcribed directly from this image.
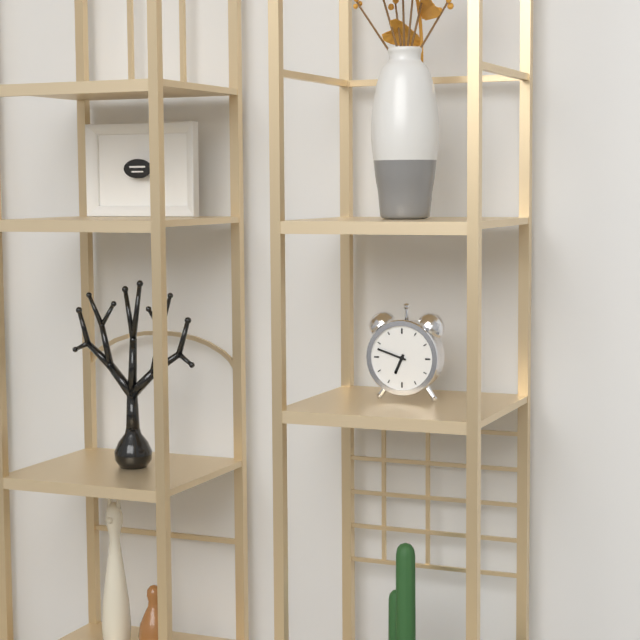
6:48
